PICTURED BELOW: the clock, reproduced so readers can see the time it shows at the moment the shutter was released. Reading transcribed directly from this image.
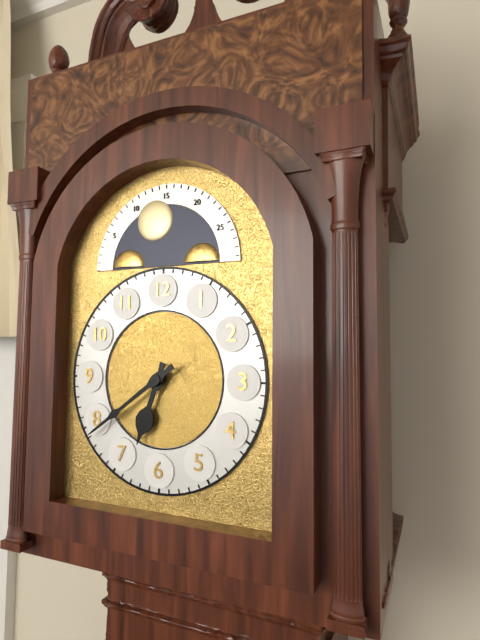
6:39
